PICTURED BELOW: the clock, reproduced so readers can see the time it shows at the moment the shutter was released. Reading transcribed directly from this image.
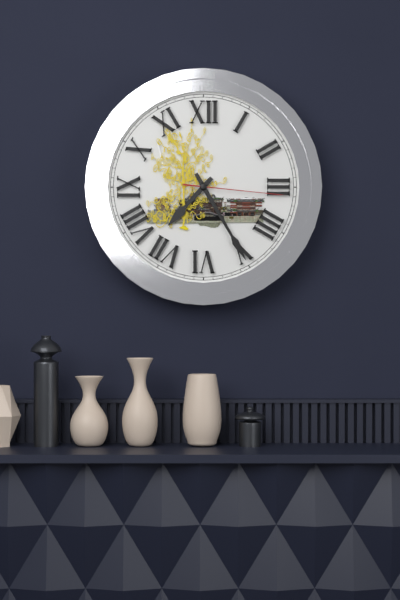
7:25:16
